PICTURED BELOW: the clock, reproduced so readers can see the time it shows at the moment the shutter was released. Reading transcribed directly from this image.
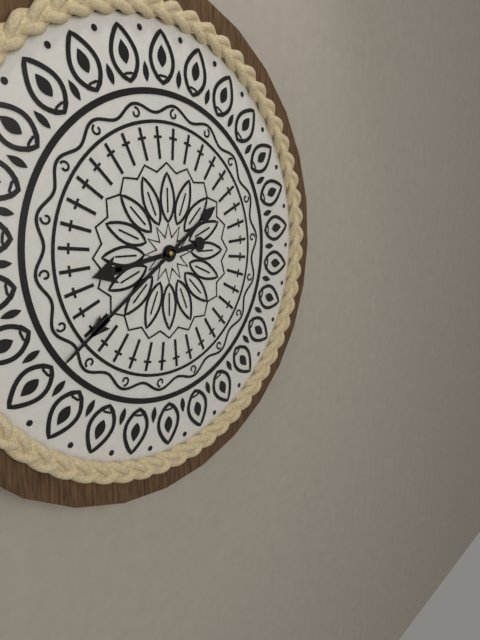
8:39
